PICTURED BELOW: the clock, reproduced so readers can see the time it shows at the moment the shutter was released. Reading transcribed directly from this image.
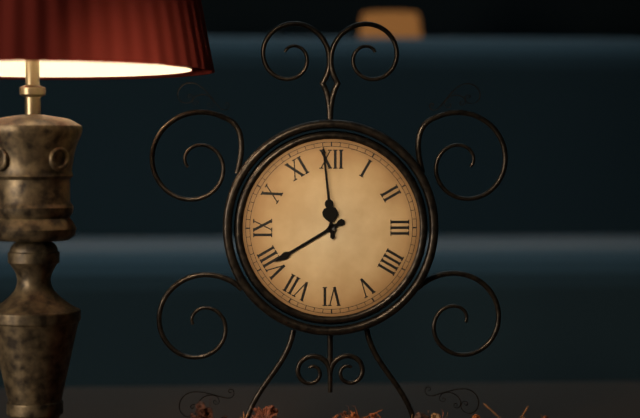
7:59
